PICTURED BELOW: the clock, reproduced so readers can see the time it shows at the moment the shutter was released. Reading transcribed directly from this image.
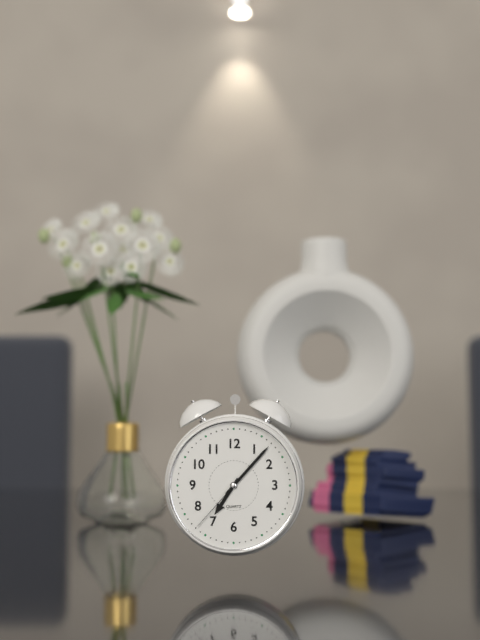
7:07:37
